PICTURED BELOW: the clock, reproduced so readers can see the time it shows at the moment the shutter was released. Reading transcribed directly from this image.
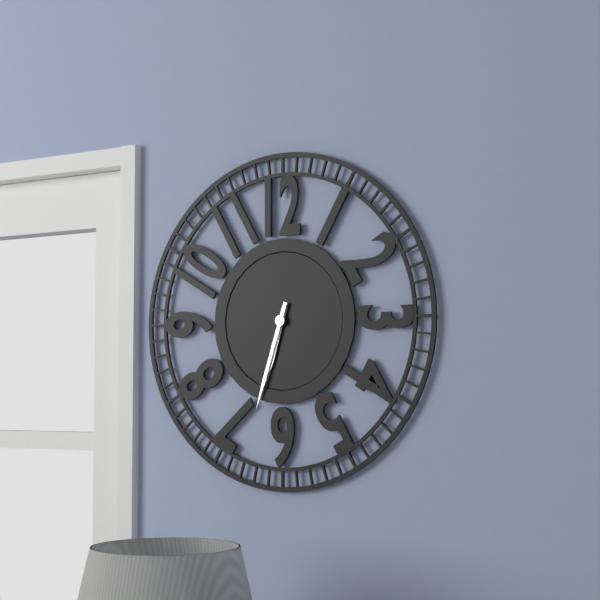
6:33
